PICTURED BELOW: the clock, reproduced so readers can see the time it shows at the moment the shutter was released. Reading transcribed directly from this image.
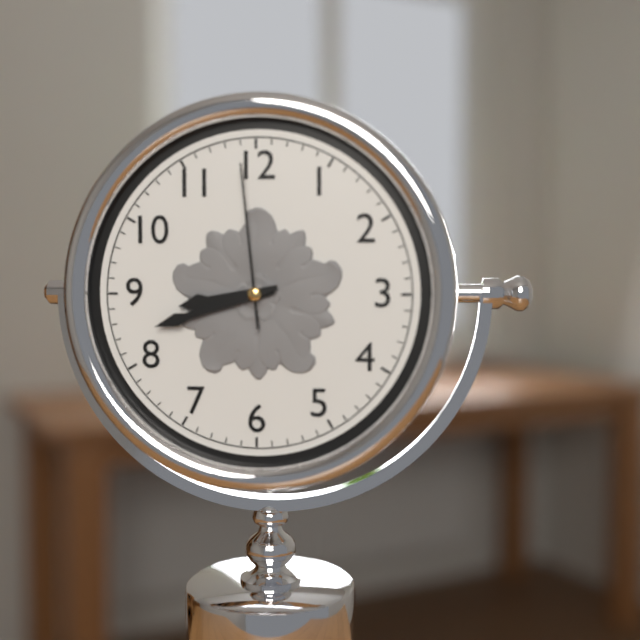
8:42:59
